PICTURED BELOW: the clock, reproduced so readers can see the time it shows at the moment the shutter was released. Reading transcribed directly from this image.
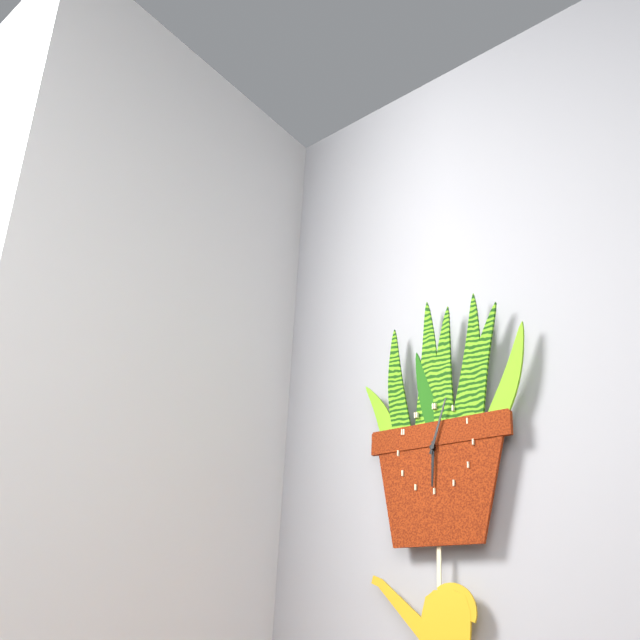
6:03
